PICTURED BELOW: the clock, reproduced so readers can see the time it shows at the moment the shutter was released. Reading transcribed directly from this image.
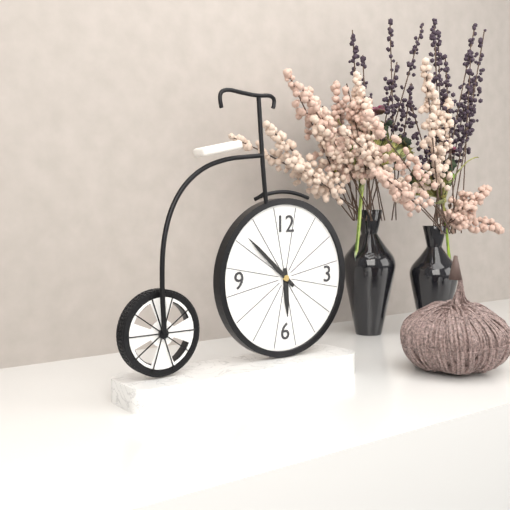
5:52
